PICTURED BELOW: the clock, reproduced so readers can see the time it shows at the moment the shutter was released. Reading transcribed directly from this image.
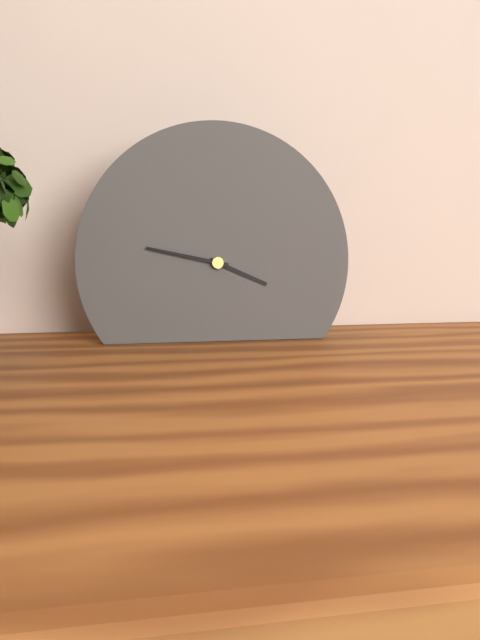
3:47
